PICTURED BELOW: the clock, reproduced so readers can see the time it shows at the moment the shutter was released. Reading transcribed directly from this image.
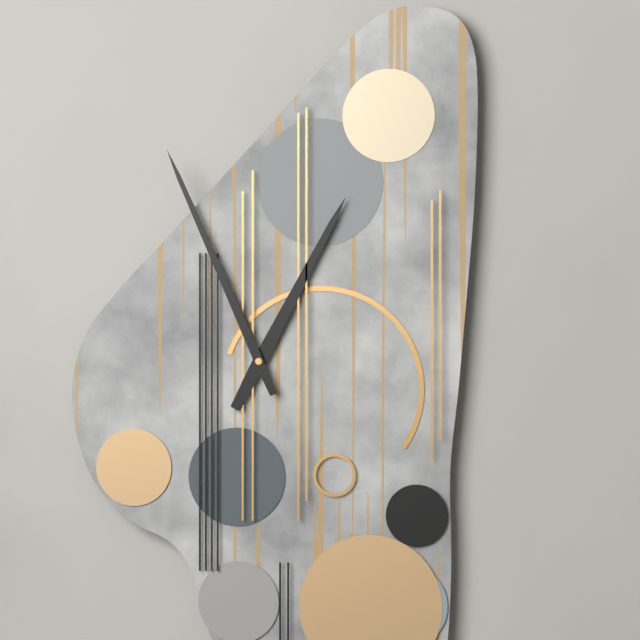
12:56
